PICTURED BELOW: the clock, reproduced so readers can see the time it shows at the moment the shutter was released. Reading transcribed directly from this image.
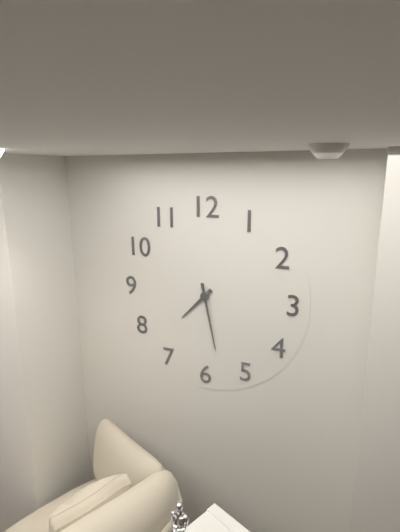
7:28
